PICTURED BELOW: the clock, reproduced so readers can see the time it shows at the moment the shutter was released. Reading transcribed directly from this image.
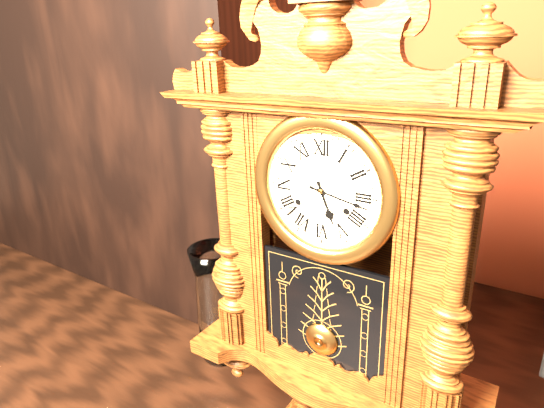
5:17
